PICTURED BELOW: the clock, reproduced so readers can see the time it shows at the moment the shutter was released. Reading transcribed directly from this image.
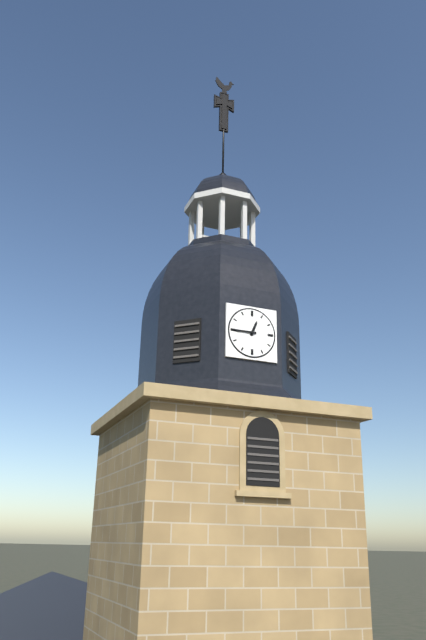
12:45
